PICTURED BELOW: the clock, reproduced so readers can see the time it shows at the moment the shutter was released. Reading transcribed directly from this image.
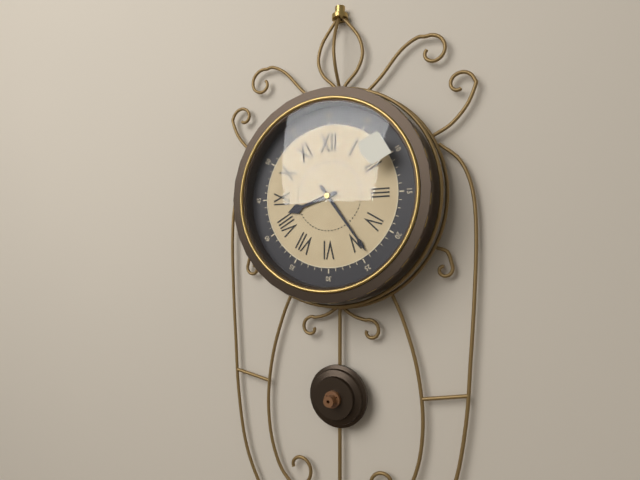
8:24
